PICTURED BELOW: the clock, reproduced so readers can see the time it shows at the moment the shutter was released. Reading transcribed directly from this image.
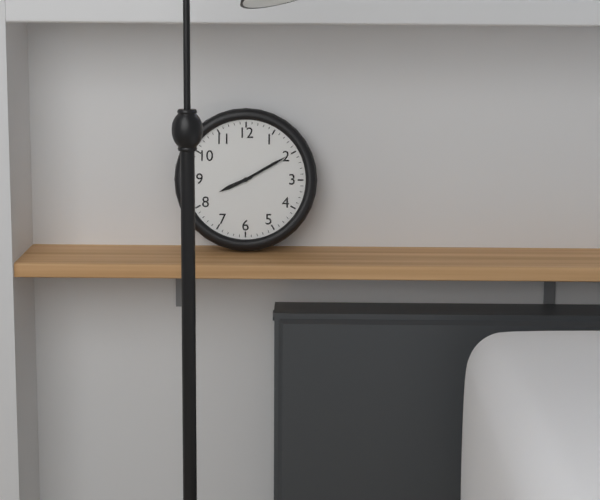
8:10
